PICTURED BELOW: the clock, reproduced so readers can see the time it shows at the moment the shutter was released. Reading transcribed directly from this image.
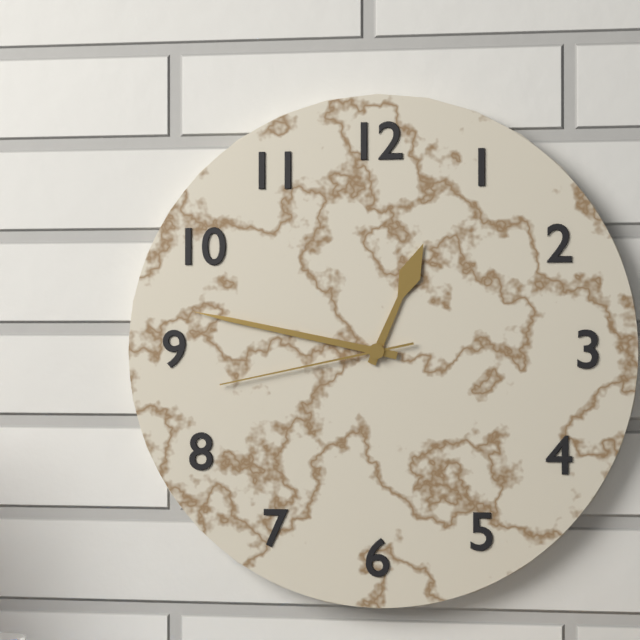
12:47:43
